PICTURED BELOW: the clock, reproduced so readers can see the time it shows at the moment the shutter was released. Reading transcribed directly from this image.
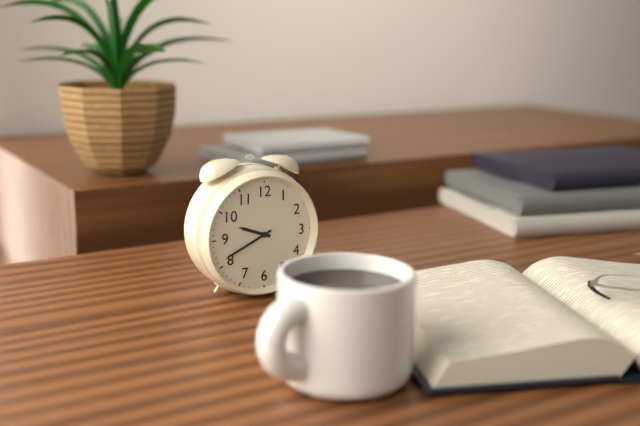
9:41
